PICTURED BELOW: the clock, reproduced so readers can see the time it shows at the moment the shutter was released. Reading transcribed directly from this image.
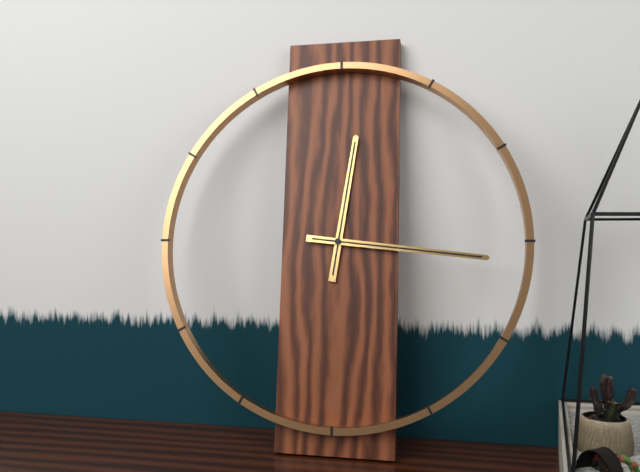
12:16
